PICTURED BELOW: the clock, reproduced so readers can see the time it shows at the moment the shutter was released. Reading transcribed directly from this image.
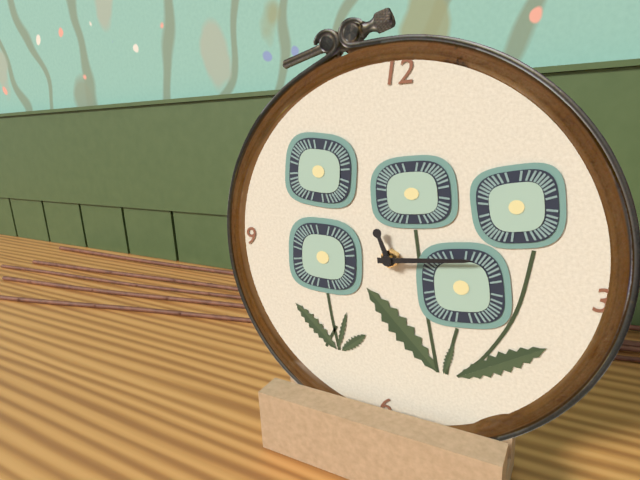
11:14
